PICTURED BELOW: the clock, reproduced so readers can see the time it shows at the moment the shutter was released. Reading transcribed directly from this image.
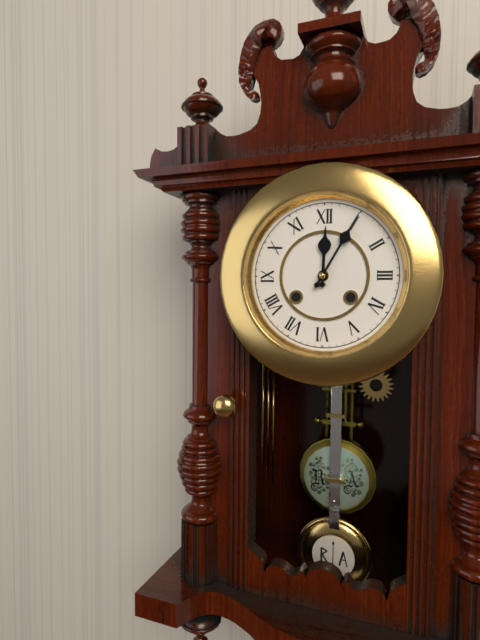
12:05
